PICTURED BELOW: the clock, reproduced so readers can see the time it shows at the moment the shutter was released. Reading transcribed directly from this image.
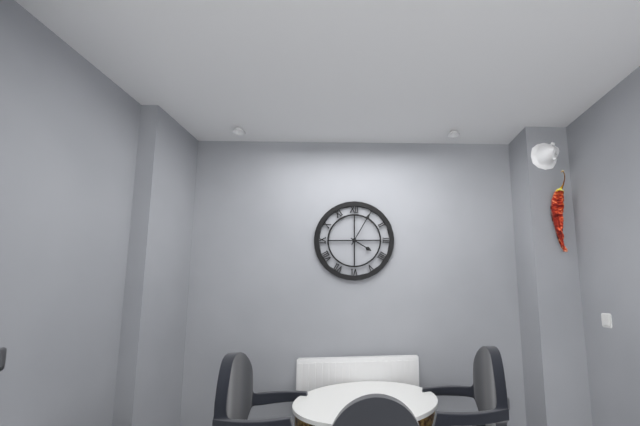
4:05
